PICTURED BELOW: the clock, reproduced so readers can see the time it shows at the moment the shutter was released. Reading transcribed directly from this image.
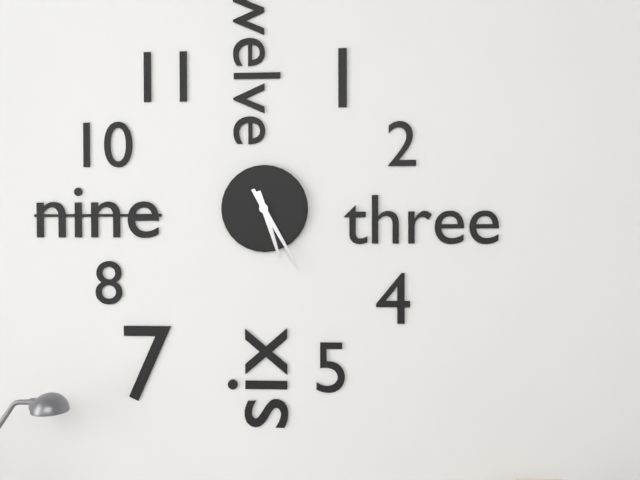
5:25
